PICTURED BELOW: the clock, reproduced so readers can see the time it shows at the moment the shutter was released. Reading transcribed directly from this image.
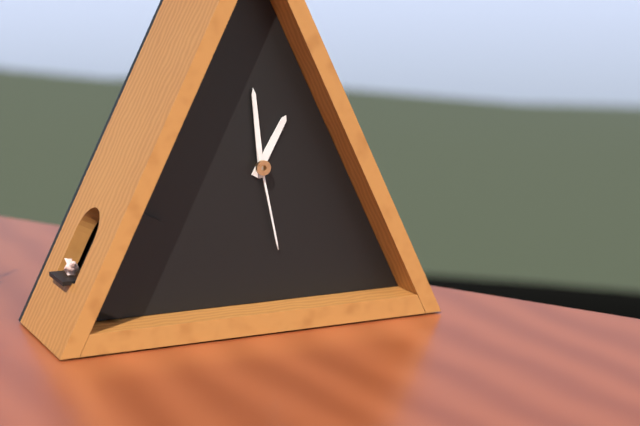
12:59:28
